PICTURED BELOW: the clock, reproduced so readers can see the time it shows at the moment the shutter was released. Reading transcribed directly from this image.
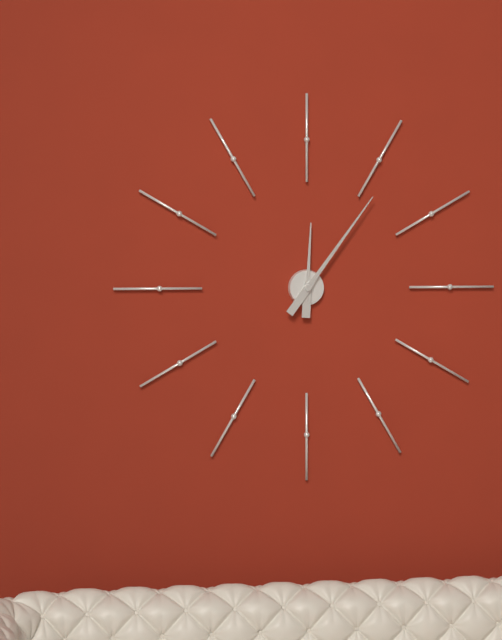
12:06
